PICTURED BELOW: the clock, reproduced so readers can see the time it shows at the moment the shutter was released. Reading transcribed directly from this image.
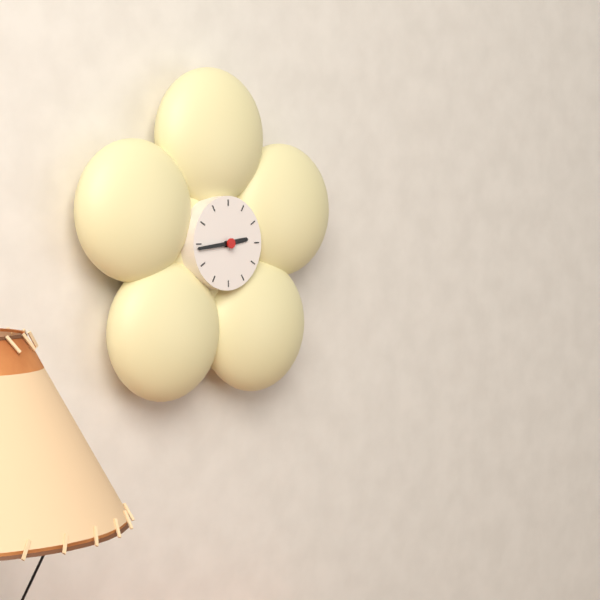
2:44
